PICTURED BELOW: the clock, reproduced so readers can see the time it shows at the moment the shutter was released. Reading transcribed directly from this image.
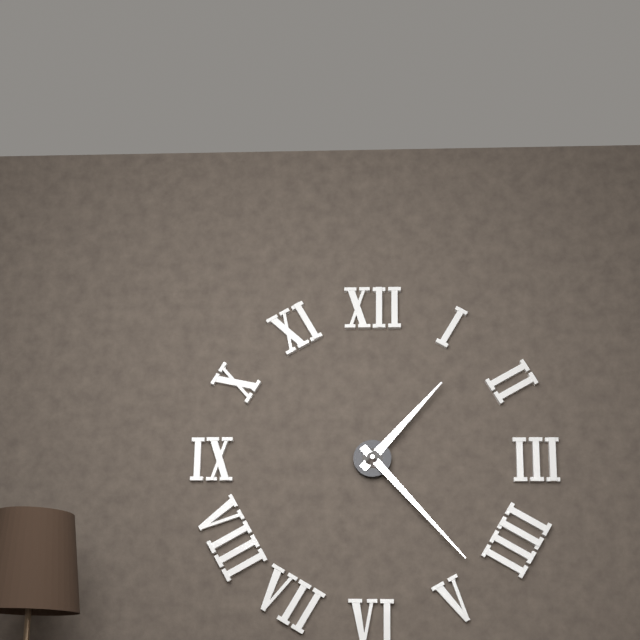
1:23
